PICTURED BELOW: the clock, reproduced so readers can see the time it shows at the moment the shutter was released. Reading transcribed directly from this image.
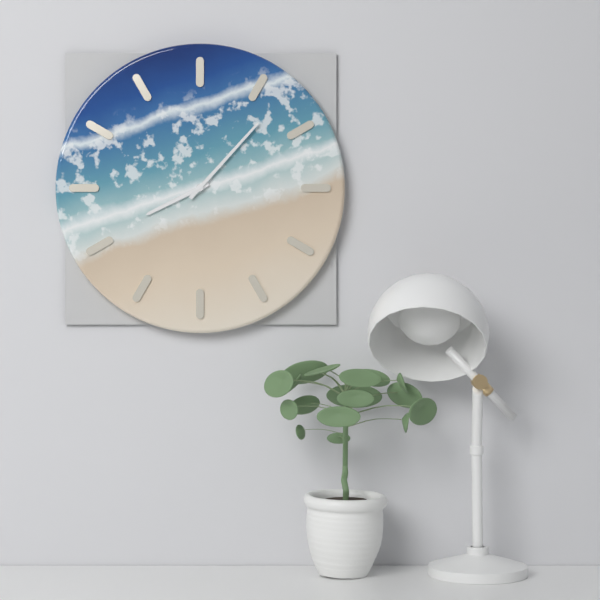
8:07
